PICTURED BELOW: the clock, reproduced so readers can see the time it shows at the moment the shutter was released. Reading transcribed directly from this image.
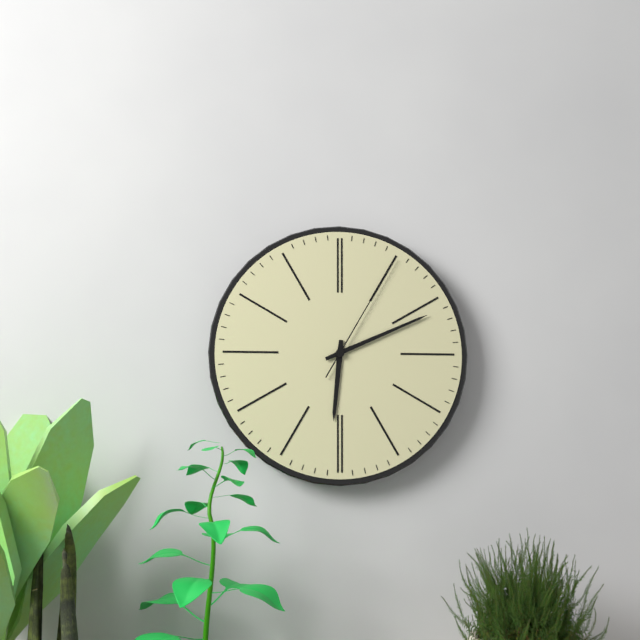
6:11:05
